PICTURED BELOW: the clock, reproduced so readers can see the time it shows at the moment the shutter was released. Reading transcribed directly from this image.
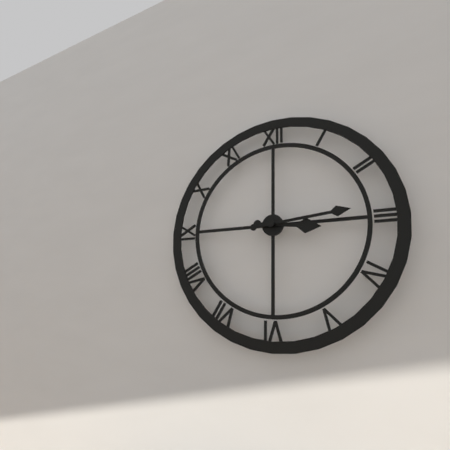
3:14
